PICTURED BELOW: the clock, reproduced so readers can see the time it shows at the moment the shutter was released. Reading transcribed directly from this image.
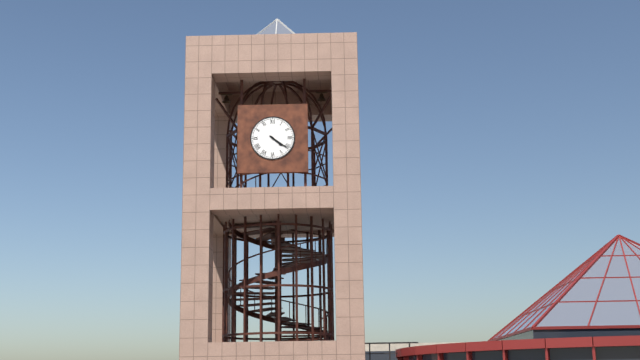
4:21
